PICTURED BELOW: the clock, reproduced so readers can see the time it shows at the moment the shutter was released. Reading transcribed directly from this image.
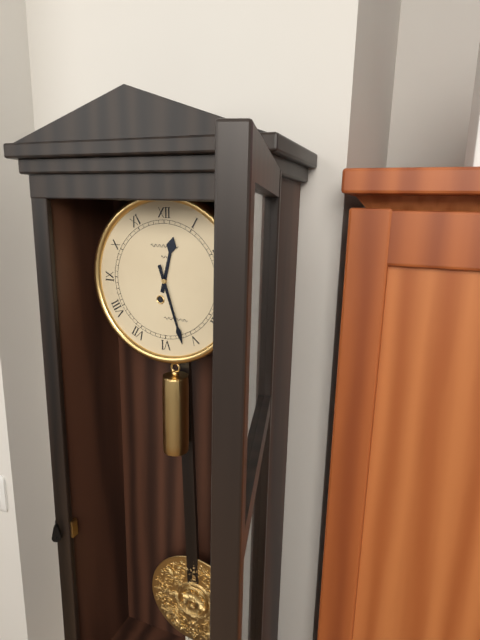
12:27
